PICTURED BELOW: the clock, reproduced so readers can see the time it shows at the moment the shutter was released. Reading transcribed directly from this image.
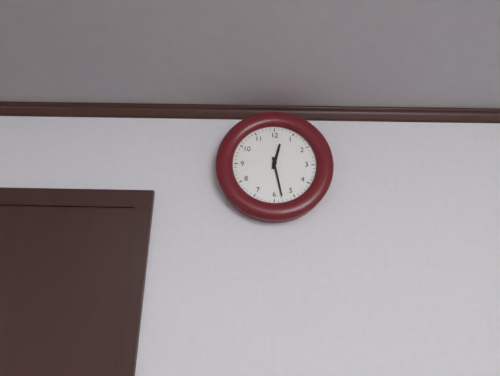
12:28
